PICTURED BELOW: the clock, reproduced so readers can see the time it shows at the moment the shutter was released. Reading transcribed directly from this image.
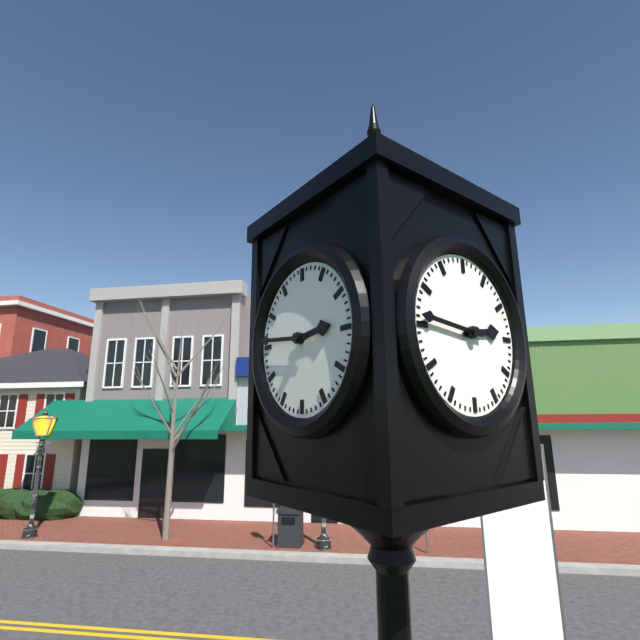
2:46
